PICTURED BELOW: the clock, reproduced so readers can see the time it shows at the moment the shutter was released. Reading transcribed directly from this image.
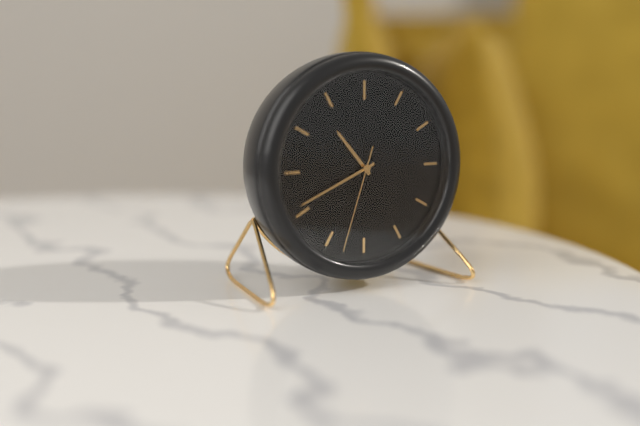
10:41:33
